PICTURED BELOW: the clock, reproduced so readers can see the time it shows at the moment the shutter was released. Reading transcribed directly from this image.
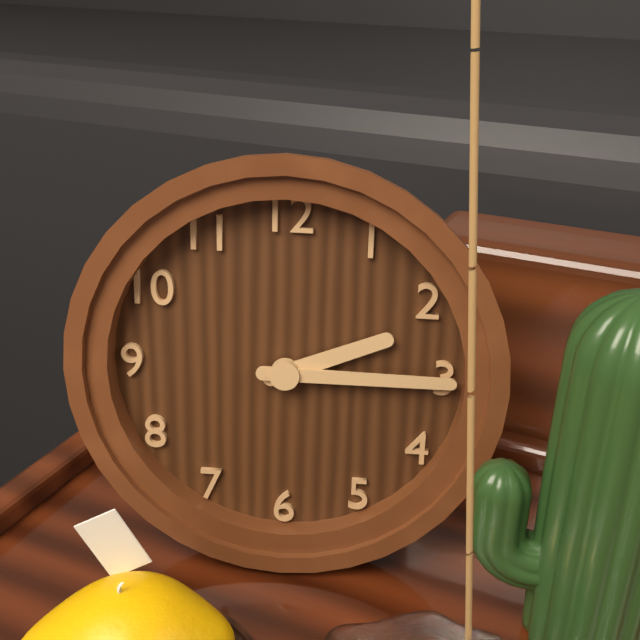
2:15
